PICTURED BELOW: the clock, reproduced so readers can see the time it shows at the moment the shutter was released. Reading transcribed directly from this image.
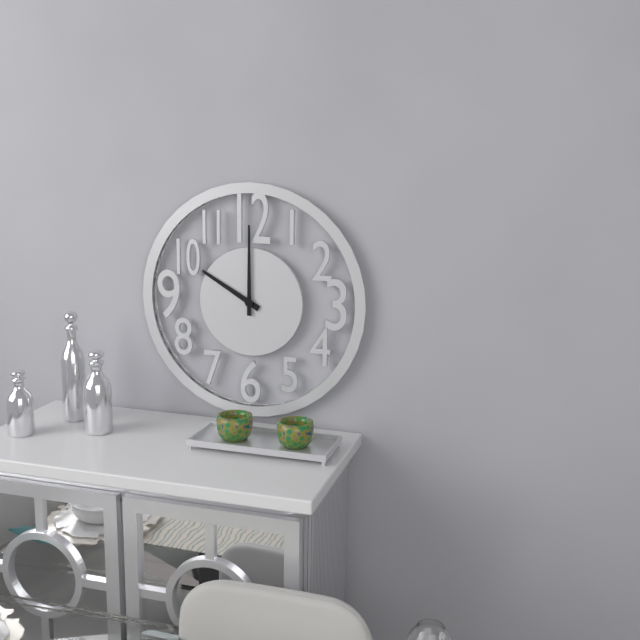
10:00
